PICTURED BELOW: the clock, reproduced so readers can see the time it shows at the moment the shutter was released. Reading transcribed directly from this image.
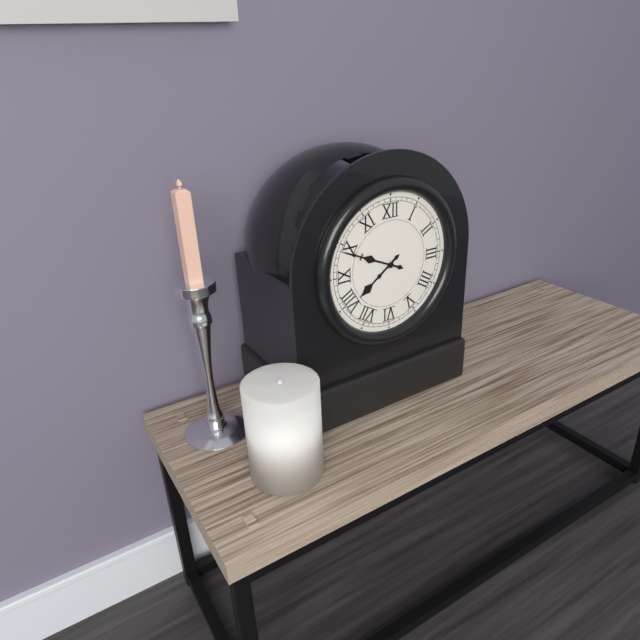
7:49
